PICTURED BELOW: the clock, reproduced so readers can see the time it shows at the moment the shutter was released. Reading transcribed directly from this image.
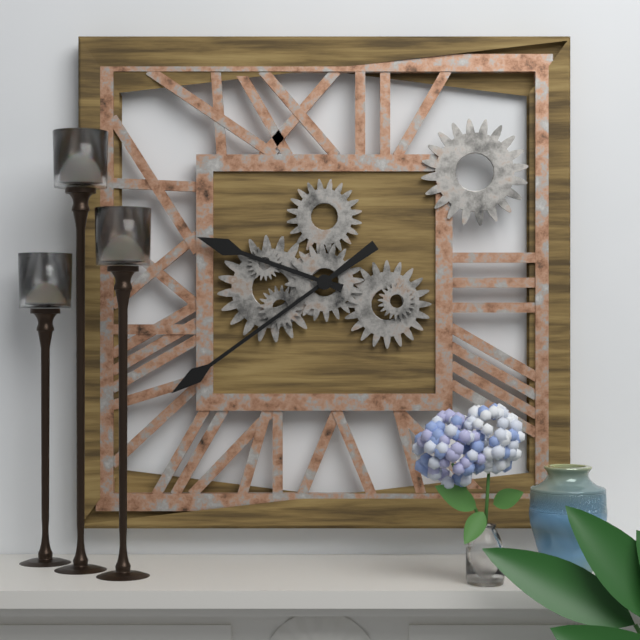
9:39
